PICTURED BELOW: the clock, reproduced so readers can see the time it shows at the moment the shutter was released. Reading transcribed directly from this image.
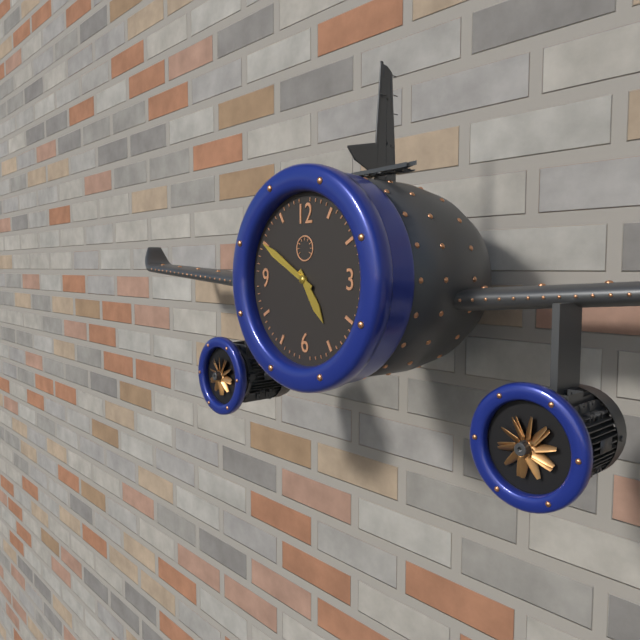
4:50
